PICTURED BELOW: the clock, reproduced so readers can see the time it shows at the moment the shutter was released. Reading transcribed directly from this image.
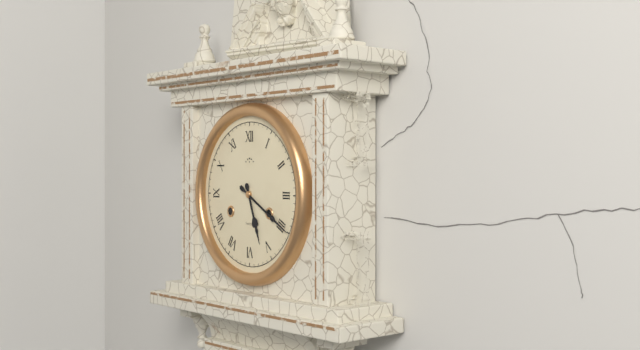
5:20
